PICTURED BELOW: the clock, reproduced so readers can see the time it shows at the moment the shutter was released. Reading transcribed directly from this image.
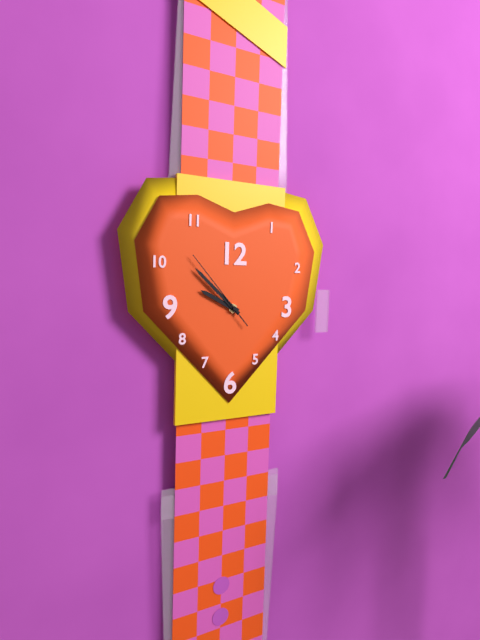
9:52:53
